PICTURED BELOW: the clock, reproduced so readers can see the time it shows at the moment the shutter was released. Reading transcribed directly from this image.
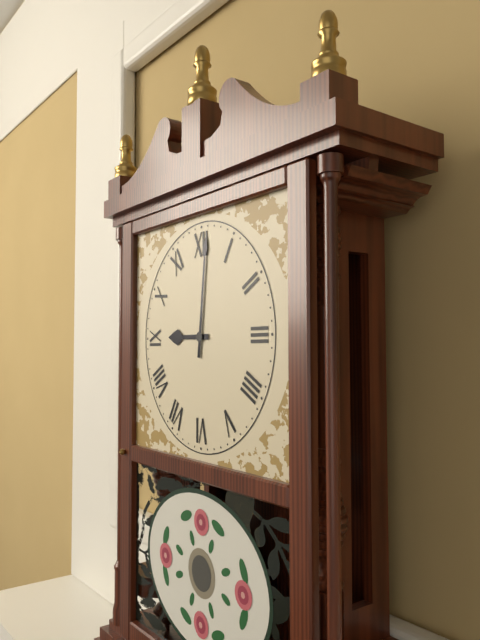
9:01
